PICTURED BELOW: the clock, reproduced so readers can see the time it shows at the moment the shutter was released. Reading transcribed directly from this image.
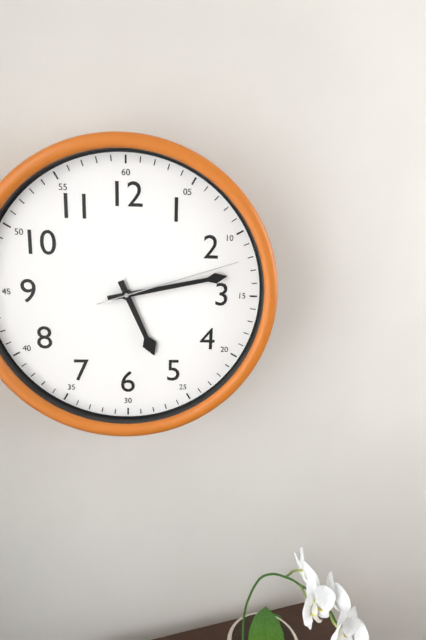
5:13:12
